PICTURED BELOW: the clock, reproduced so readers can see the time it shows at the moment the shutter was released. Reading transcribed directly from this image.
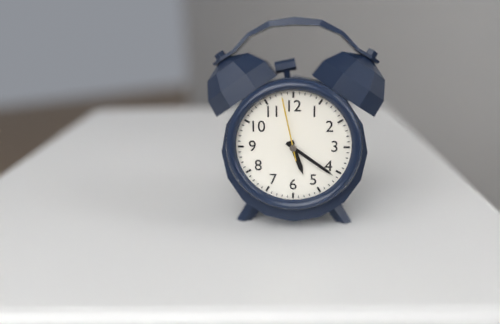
5:21:58
